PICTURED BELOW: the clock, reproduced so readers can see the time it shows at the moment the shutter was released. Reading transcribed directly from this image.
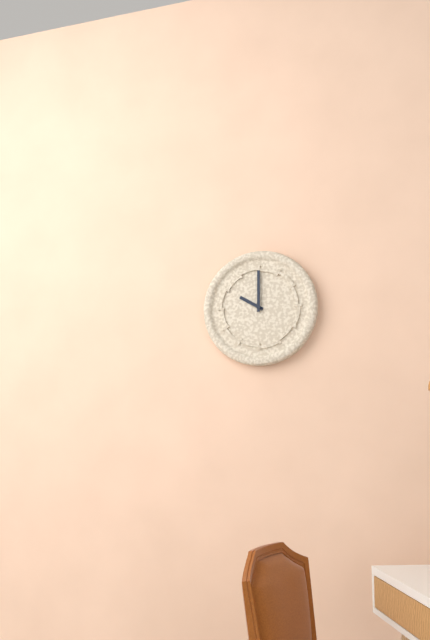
10:00
